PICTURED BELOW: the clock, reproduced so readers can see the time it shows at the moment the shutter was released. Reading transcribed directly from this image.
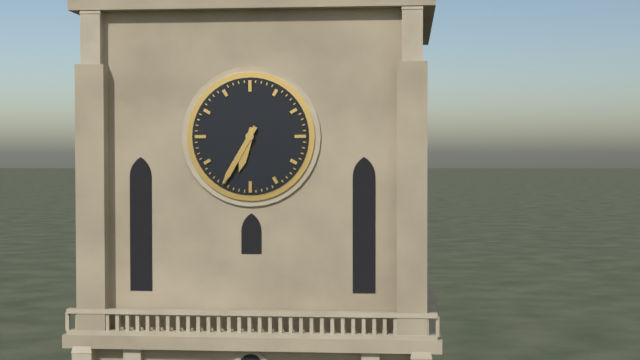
6:35
